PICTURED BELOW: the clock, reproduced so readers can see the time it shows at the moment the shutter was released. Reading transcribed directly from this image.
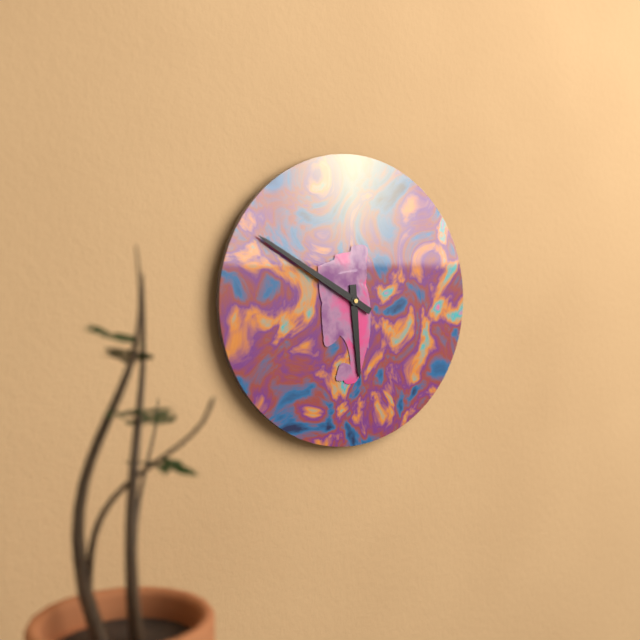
5:50
